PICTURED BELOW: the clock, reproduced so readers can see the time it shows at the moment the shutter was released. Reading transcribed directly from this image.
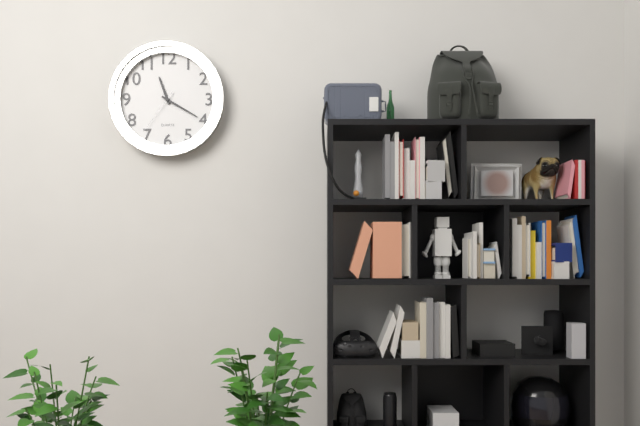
11:20
